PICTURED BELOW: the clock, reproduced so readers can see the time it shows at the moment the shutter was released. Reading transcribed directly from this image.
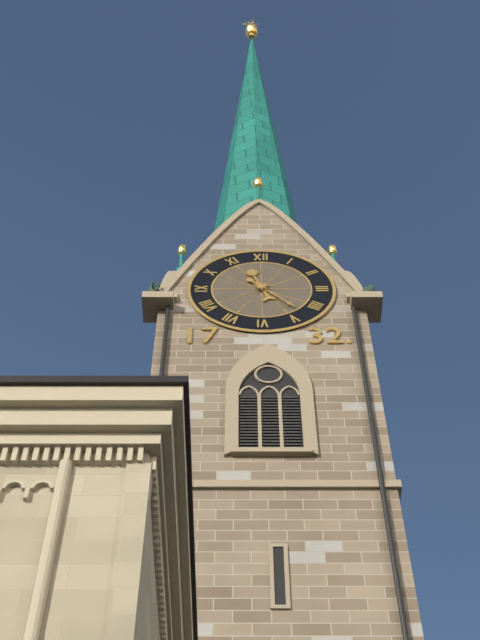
11:23
